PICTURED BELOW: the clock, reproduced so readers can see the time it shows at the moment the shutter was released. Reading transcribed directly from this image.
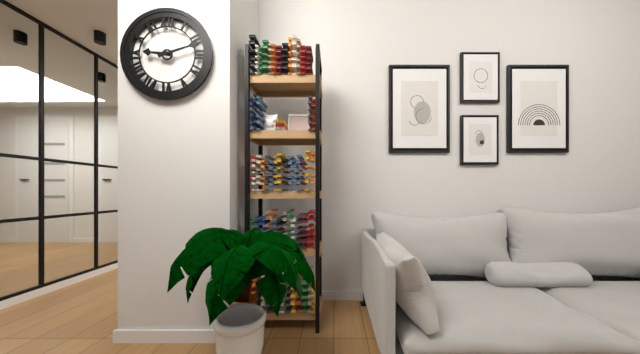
9:12
